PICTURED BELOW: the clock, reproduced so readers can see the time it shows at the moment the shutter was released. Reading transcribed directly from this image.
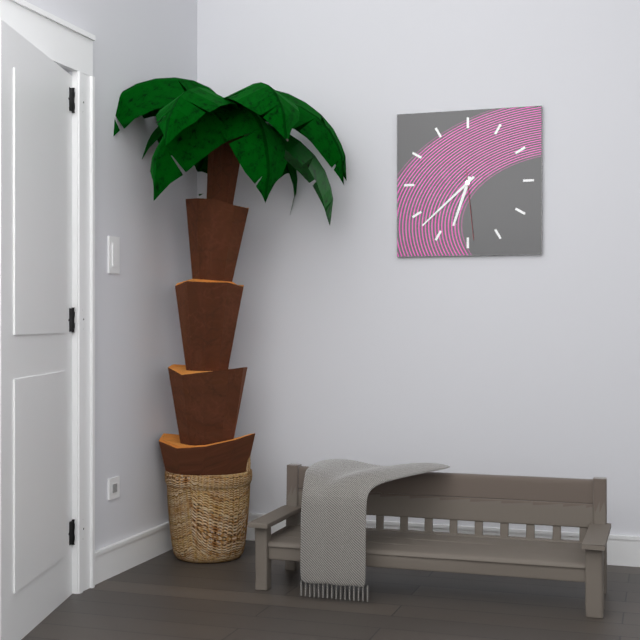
6:38:29
